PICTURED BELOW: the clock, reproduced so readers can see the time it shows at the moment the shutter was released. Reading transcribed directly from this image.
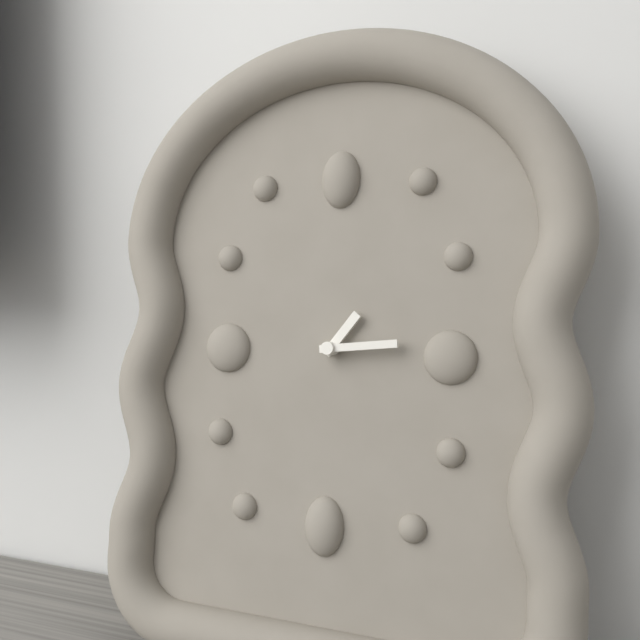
1:14
